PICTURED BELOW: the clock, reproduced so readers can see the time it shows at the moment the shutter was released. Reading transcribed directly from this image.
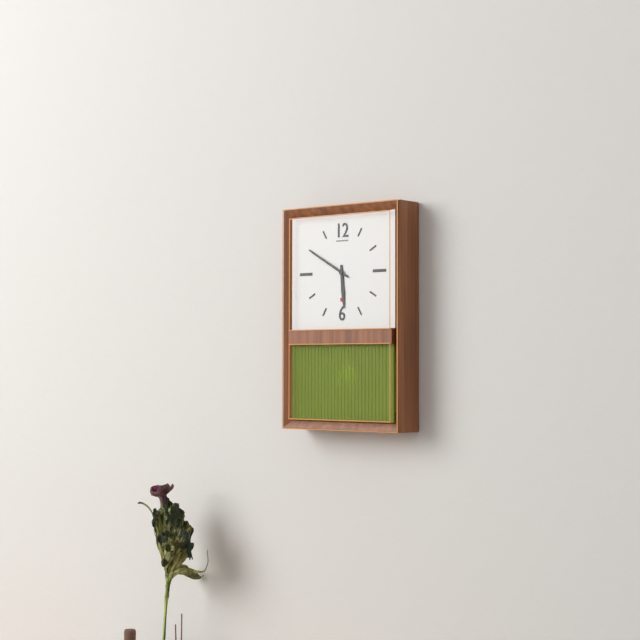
5:50
